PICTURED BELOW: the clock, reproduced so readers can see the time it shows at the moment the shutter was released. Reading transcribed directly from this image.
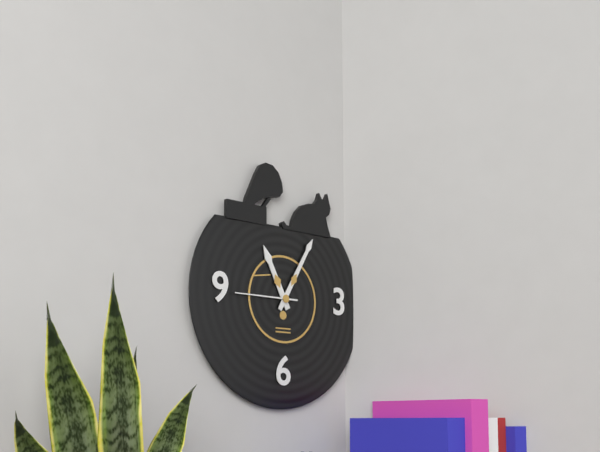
11:05:45
